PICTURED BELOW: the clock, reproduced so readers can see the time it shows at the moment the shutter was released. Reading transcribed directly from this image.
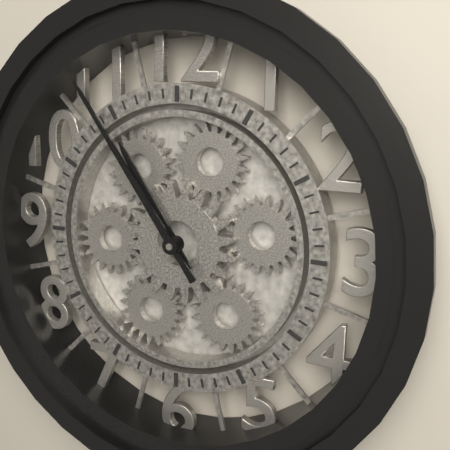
10:54
